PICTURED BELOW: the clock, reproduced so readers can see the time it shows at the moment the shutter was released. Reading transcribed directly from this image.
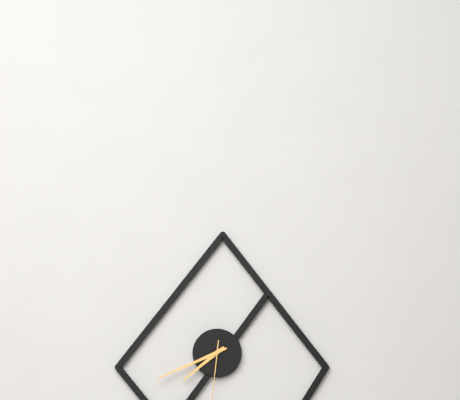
7:41
